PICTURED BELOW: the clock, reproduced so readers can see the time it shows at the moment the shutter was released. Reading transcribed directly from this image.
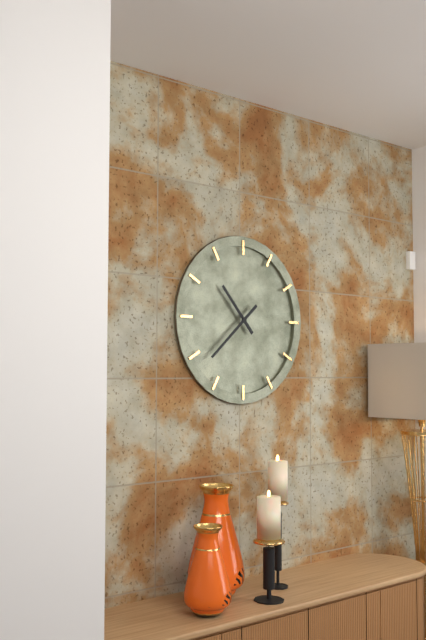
10:38
